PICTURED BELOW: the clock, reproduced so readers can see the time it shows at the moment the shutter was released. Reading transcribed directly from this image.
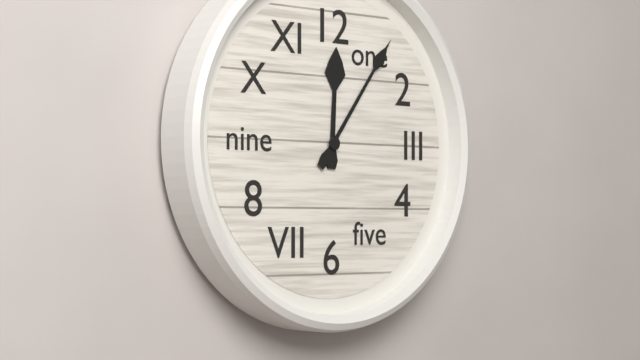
12:06
